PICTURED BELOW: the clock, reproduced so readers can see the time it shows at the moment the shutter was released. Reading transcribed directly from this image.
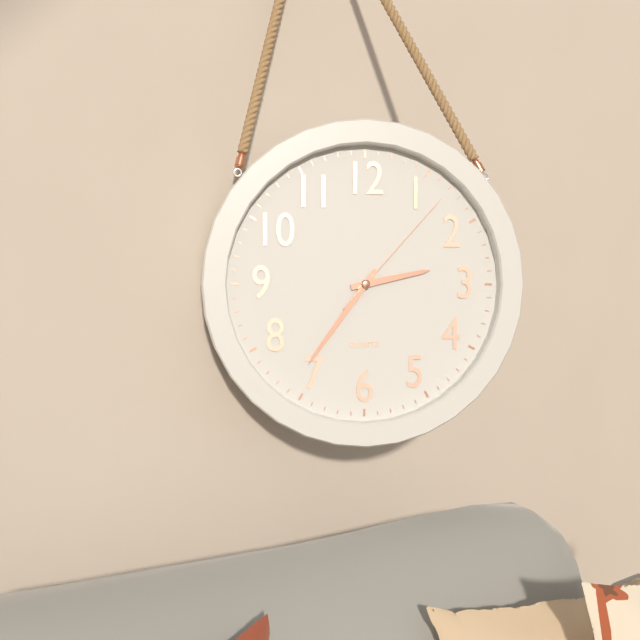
2:36:07
